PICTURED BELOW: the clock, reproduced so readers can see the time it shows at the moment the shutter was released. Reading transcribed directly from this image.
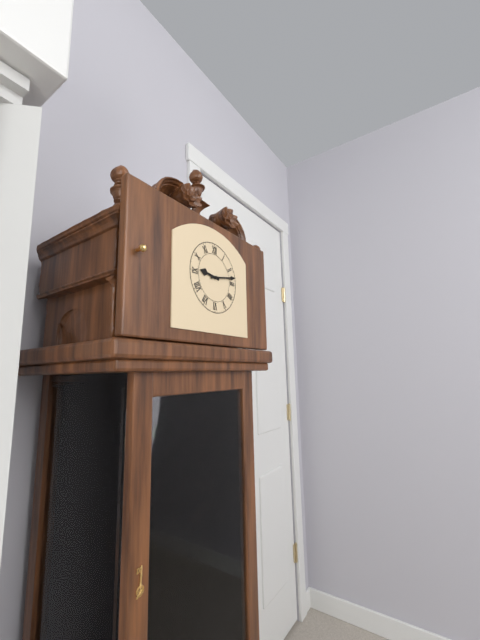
9:13
